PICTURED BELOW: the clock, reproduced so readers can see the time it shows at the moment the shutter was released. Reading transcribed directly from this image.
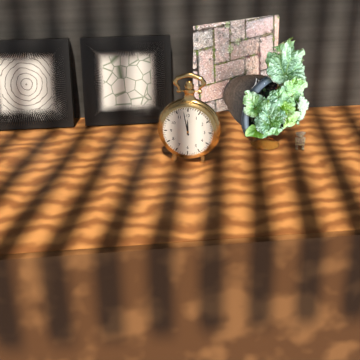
11:58
